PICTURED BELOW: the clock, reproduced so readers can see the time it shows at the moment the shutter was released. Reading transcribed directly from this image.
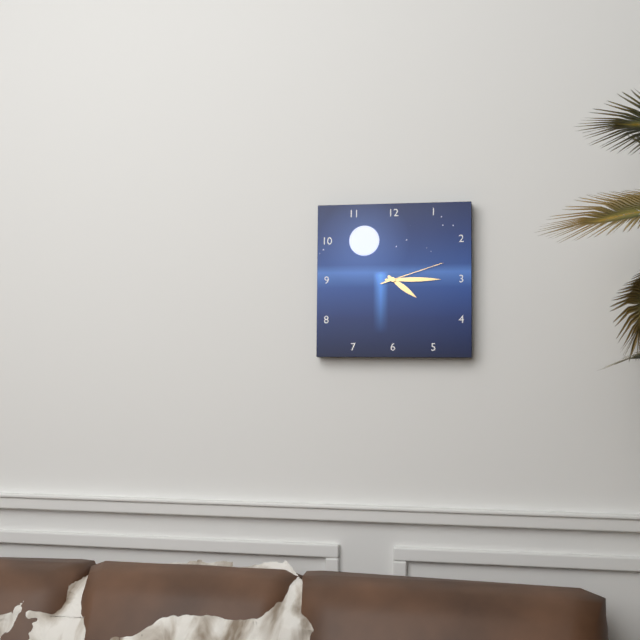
4:15:12
